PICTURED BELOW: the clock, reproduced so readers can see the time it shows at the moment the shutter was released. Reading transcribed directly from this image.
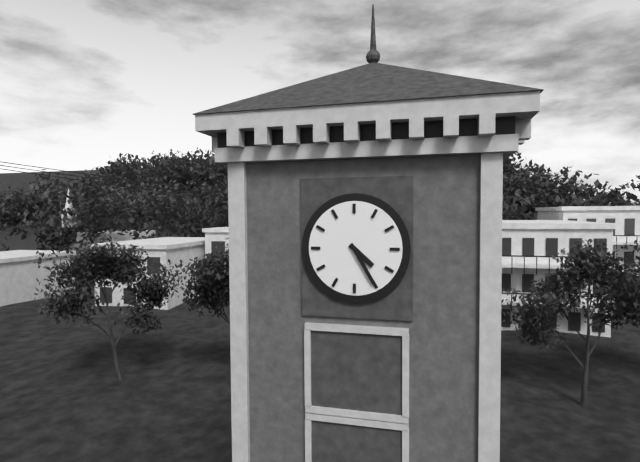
4:25
